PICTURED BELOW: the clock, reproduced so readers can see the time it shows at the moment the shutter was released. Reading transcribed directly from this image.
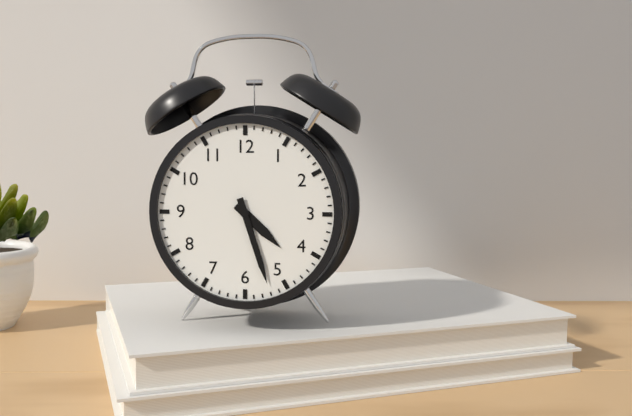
4:27
